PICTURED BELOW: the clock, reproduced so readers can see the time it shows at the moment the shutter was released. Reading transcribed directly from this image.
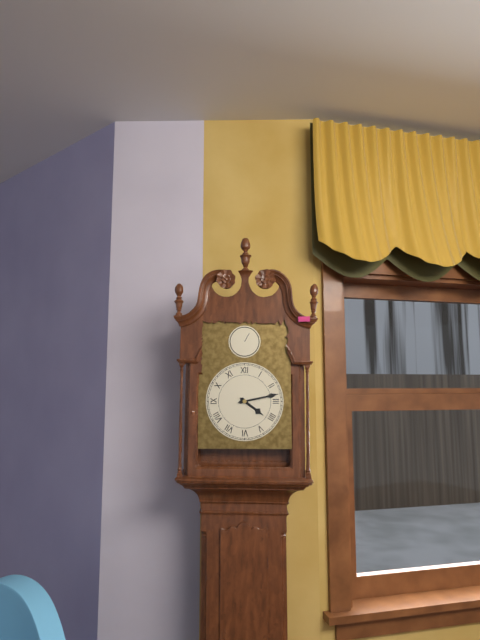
4:13
